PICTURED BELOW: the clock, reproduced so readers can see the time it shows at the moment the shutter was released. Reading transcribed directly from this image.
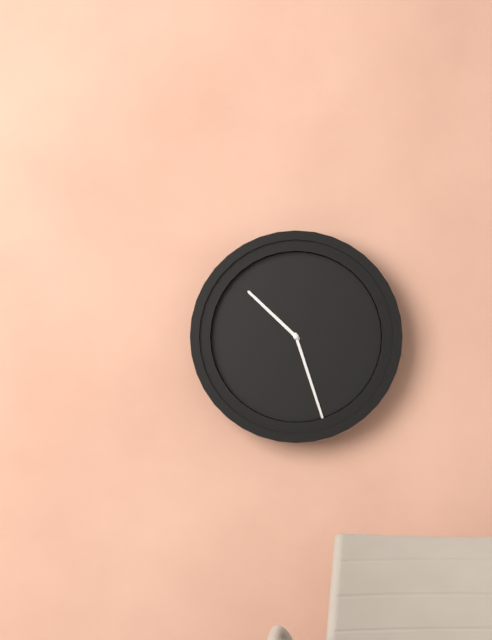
10:27
